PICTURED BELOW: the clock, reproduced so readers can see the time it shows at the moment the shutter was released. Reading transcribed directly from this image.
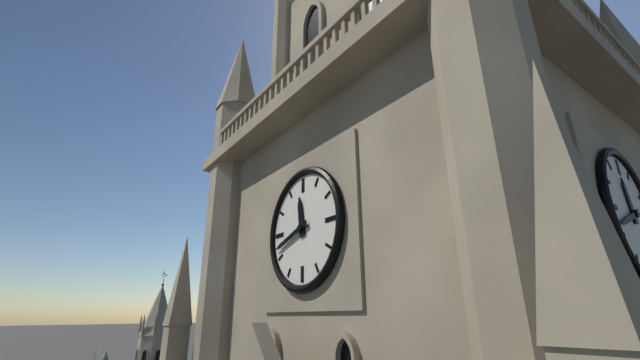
11:42
